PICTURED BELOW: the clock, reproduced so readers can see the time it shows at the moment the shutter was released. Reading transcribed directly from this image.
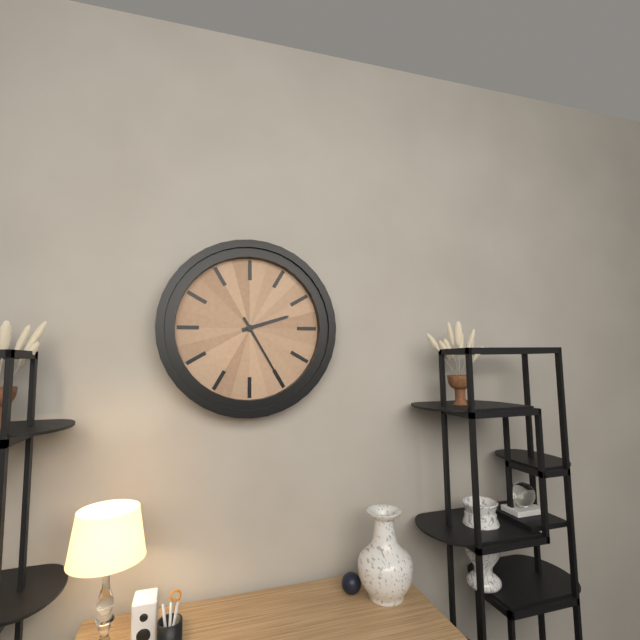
2:25
